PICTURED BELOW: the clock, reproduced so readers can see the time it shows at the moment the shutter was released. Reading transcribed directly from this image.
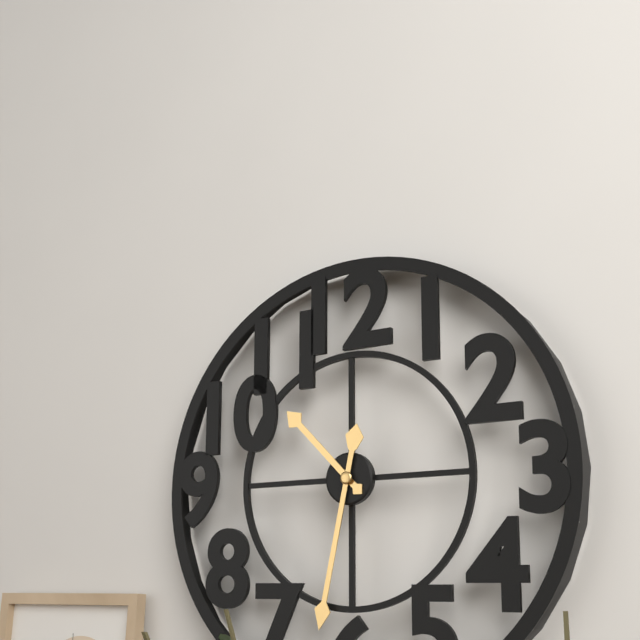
10:32
